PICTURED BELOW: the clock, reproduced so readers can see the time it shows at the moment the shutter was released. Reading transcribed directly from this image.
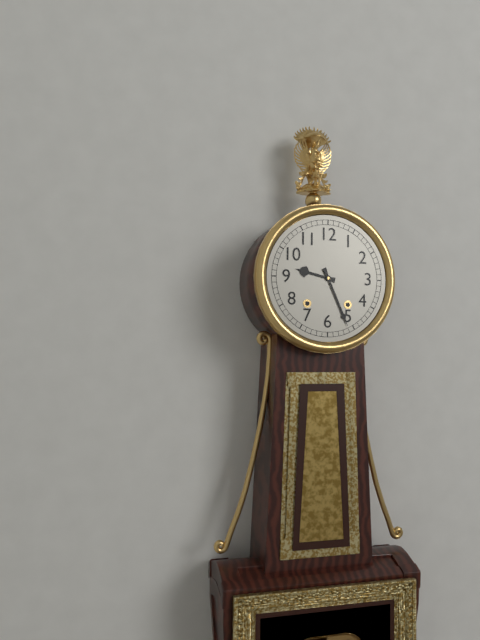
9:26
